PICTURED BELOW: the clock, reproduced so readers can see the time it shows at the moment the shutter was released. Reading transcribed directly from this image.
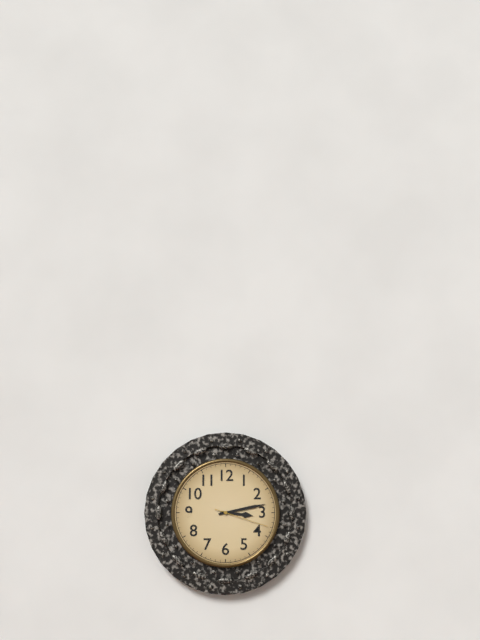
3:13:18
